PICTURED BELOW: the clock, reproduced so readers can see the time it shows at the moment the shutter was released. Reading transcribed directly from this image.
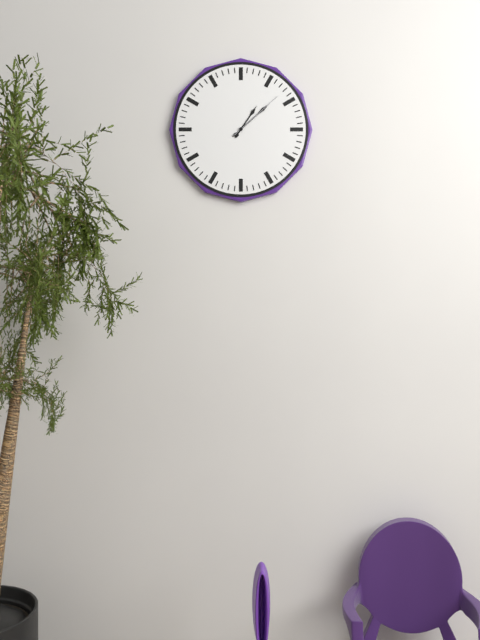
1:08:08
